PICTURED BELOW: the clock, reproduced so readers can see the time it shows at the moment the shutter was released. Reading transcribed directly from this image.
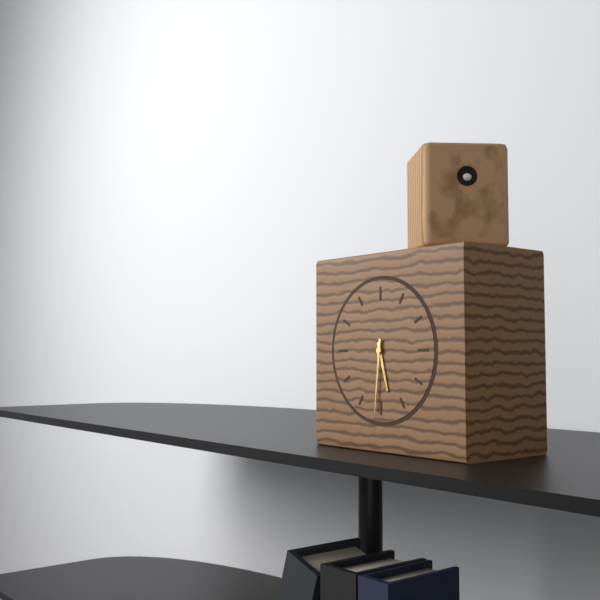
5:31
